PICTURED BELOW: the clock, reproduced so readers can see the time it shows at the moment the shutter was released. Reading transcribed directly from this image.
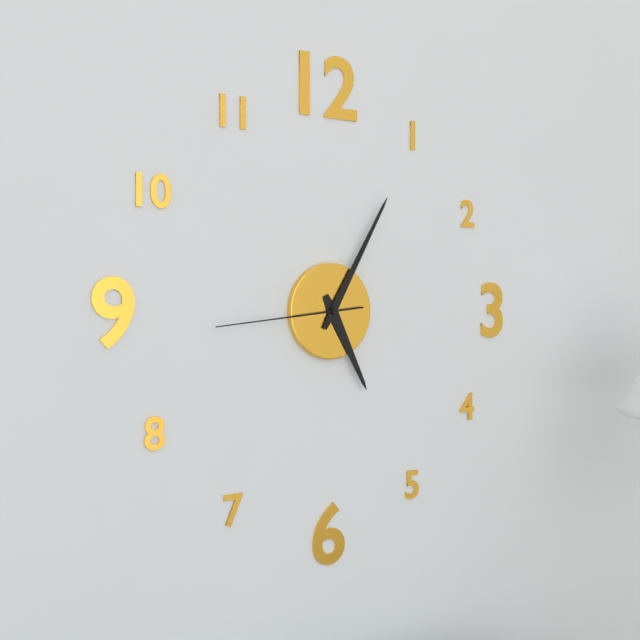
5:05:44
